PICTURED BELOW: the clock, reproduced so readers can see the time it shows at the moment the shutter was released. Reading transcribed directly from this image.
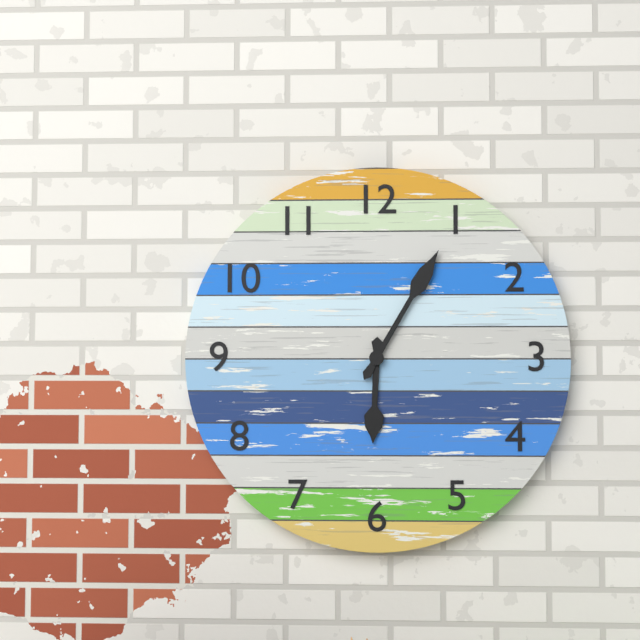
6:05
